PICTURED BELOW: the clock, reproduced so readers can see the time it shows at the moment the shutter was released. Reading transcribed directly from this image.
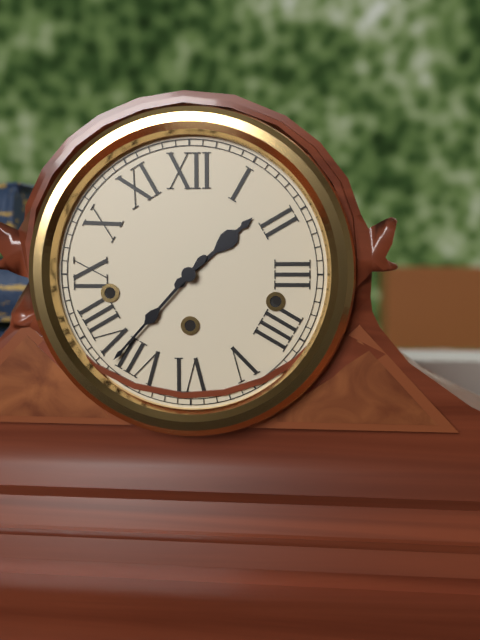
1:37
